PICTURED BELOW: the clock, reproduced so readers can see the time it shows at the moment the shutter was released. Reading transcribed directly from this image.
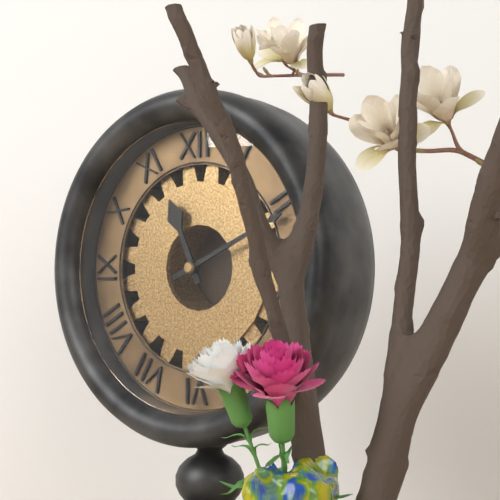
11:11
